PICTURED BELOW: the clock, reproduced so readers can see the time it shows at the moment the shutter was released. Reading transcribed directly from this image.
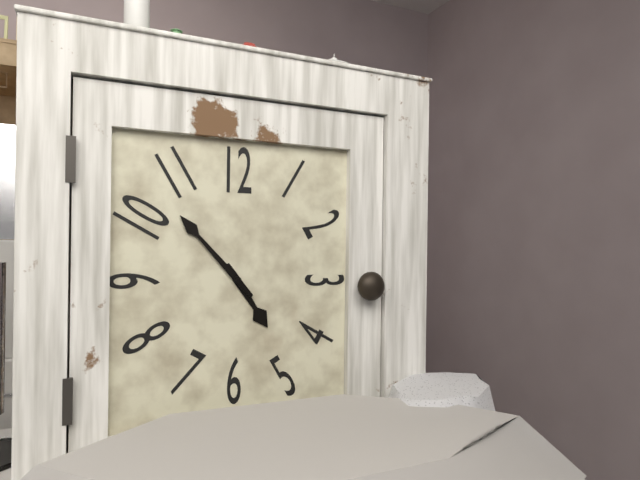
4:53
